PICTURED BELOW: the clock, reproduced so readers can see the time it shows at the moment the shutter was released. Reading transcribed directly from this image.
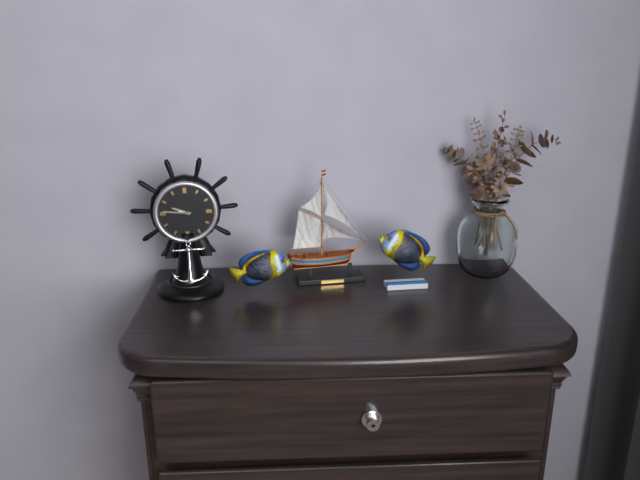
9:46
